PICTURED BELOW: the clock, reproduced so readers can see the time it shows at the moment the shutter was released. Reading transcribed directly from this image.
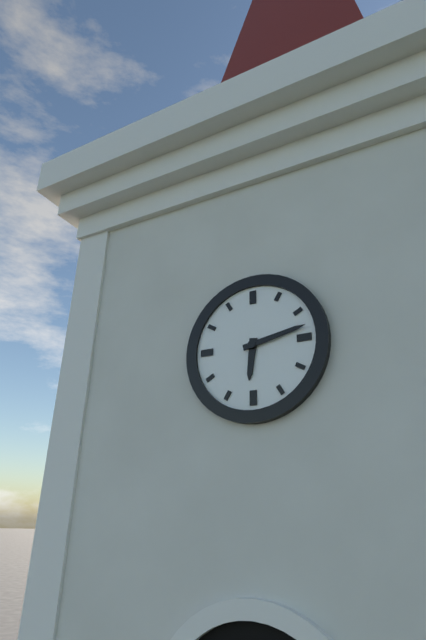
6:13
